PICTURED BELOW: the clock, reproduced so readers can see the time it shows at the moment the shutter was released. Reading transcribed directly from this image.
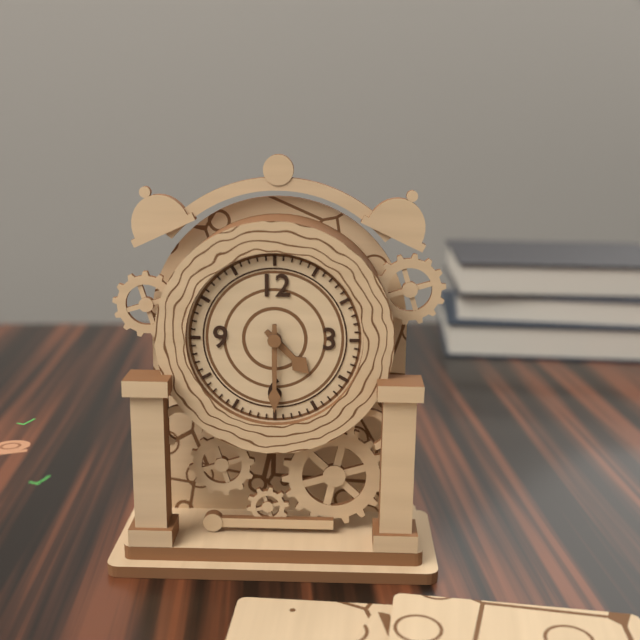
4:30
